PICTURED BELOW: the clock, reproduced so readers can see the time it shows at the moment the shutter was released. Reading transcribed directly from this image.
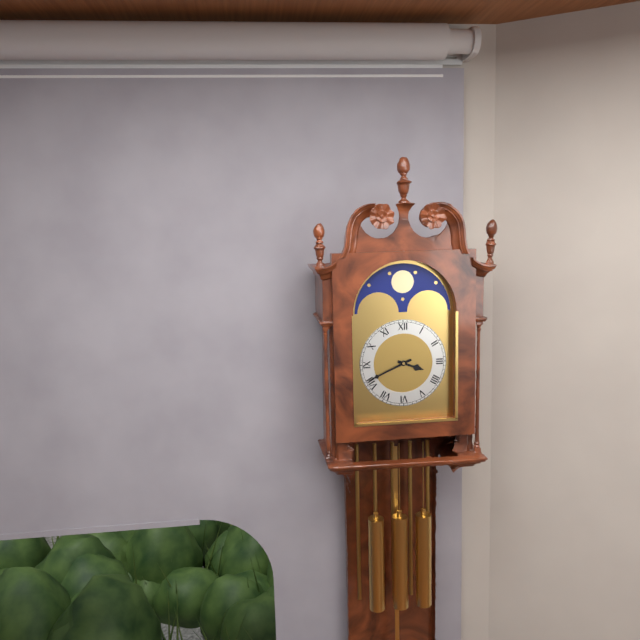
3:41
